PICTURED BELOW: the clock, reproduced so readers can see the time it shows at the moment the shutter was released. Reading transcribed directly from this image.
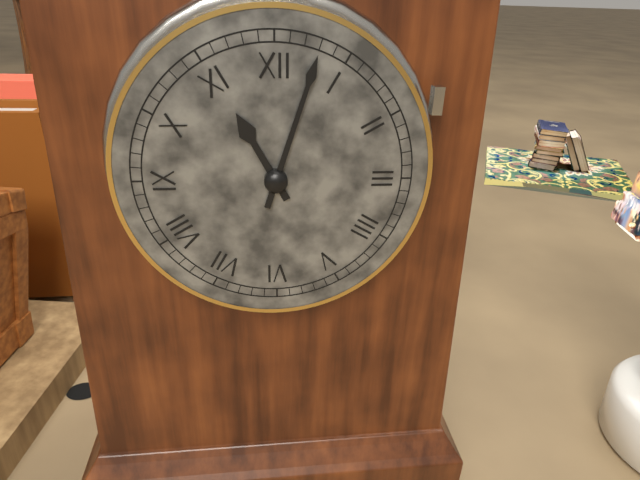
11:03
